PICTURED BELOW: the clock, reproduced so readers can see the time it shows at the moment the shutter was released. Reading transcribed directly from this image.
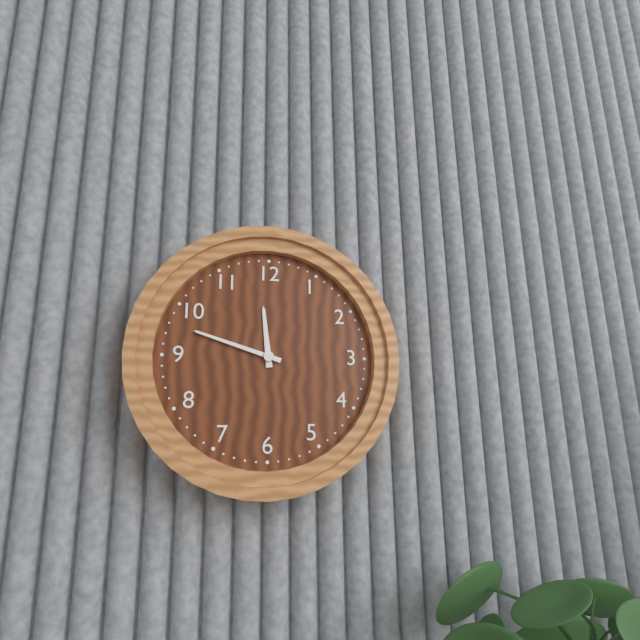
11:48
